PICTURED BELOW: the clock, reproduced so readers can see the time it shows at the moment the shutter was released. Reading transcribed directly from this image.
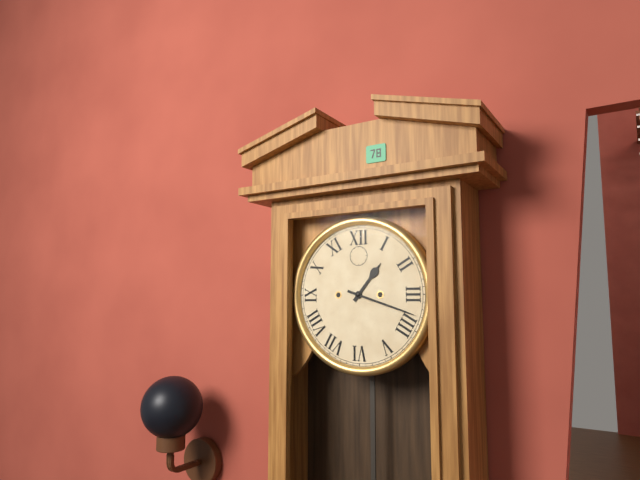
1:18
